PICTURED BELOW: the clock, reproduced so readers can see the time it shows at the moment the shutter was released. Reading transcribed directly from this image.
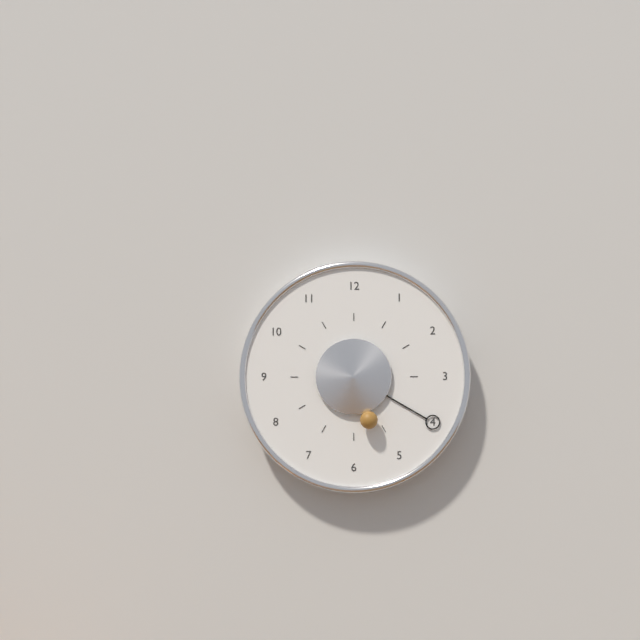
5:20
